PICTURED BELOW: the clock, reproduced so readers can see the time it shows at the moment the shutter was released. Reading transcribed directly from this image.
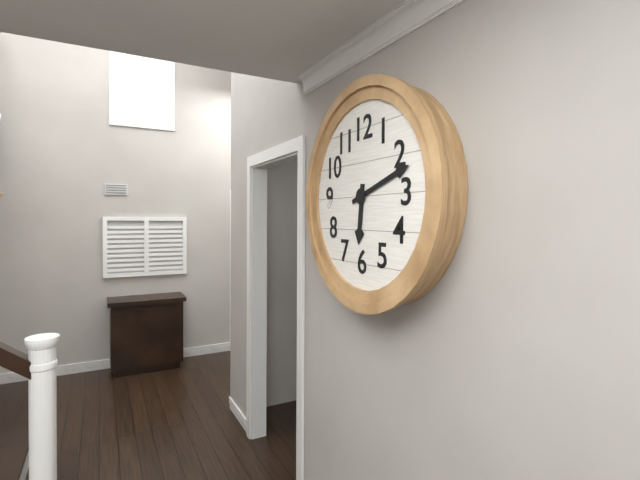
6:12
